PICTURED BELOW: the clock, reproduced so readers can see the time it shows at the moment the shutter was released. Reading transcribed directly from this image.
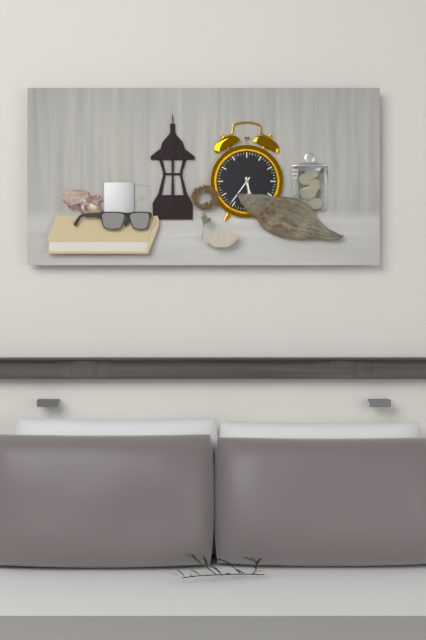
5:36
